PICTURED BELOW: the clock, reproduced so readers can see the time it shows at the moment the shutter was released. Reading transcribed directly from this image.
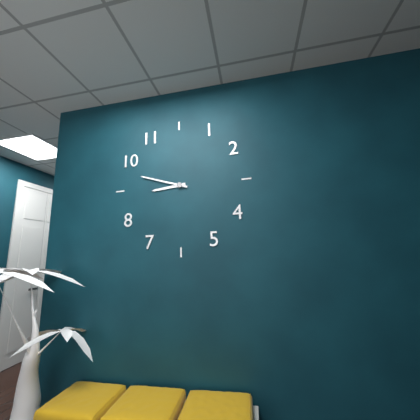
8:48
